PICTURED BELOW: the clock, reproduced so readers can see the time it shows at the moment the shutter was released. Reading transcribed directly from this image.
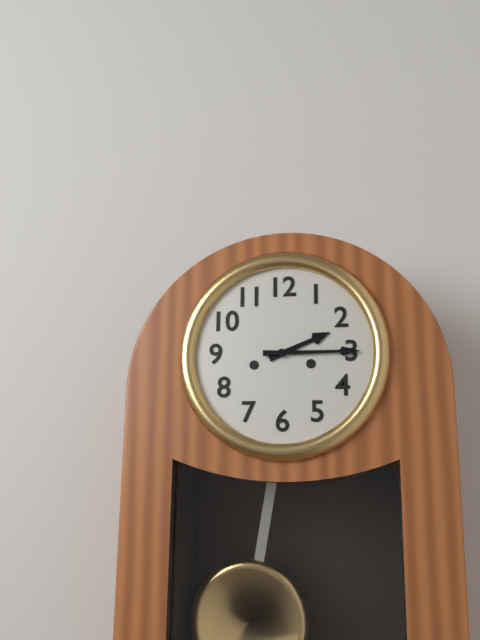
2:15
